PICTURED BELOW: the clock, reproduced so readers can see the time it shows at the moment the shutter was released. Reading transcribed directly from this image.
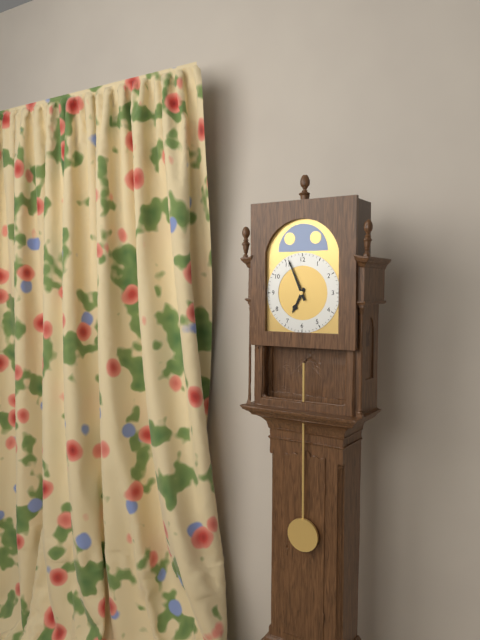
6:56
